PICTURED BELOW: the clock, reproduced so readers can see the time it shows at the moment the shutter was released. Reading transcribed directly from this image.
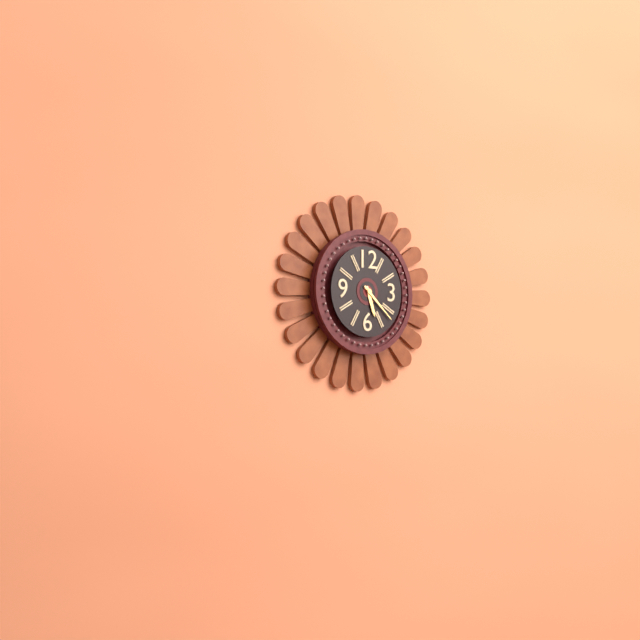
5:22
